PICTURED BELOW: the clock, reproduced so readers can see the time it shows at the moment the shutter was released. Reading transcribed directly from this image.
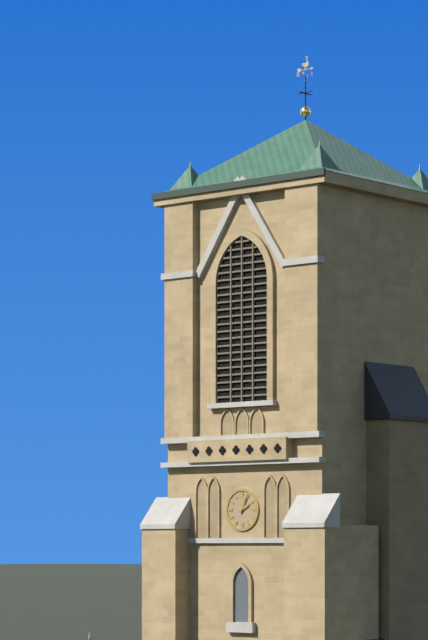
2:04
